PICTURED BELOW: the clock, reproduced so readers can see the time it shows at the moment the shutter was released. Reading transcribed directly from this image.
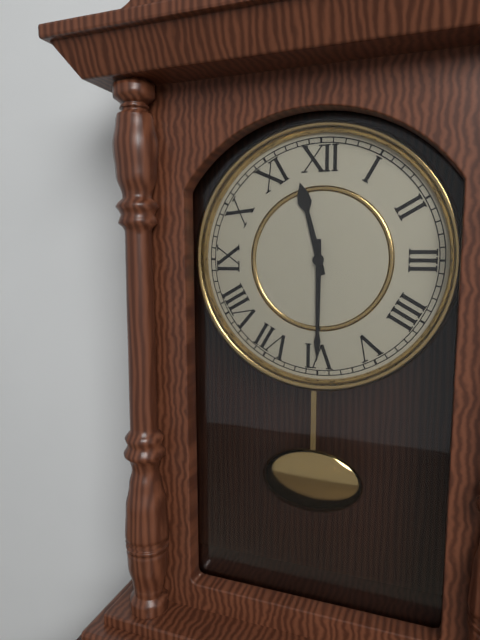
11:30
